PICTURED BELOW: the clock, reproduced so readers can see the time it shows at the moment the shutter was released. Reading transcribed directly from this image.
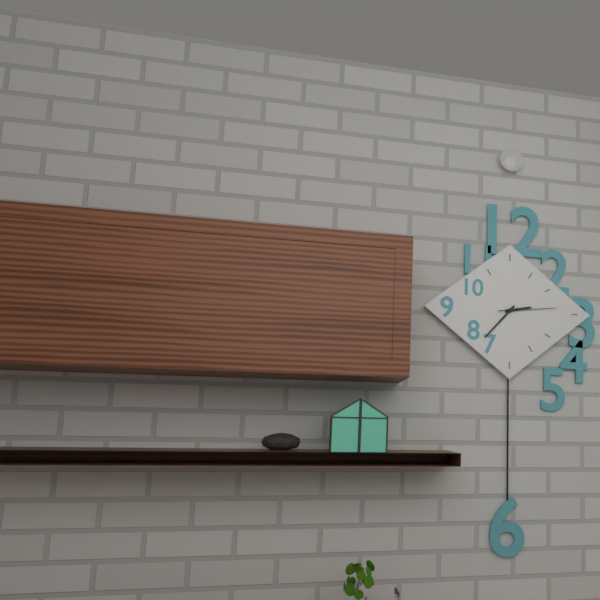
2:37:14
